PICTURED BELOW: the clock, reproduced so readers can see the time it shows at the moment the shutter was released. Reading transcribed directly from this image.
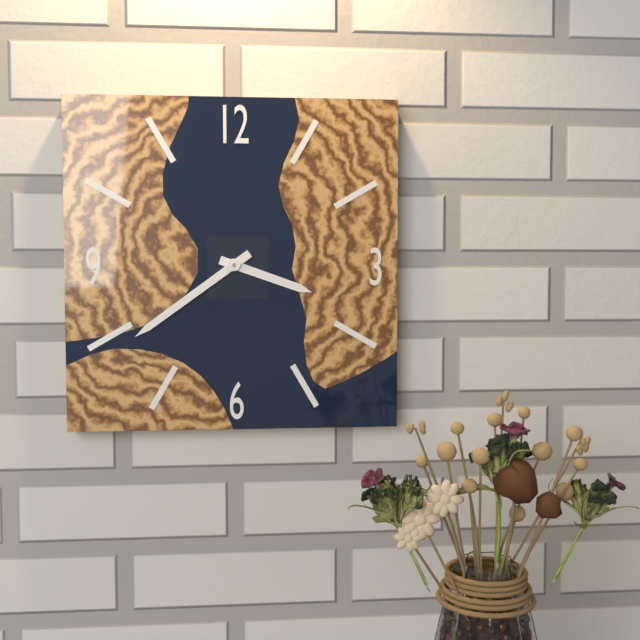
3:39
